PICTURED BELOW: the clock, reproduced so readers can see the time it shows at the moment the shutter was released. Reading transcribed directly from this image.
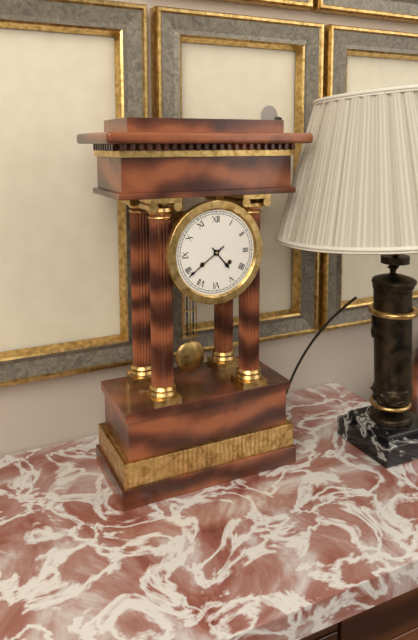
4:39
